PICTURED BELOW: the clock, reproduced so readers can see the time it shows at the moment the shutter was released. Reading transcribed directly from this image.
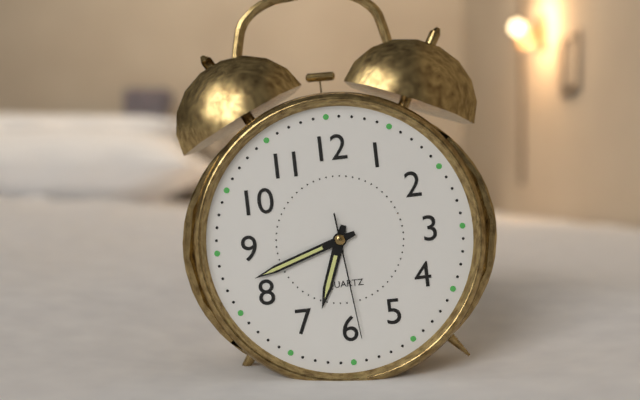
6:42:29
